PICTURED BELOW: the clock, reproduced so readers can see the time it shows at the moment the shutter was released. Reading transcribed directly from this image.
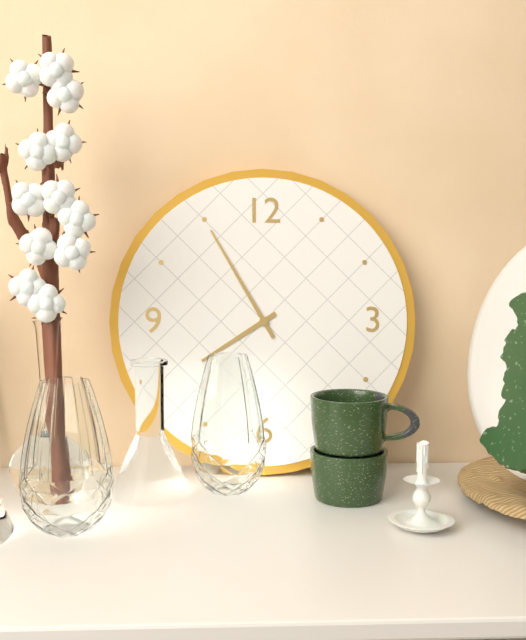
7:55
